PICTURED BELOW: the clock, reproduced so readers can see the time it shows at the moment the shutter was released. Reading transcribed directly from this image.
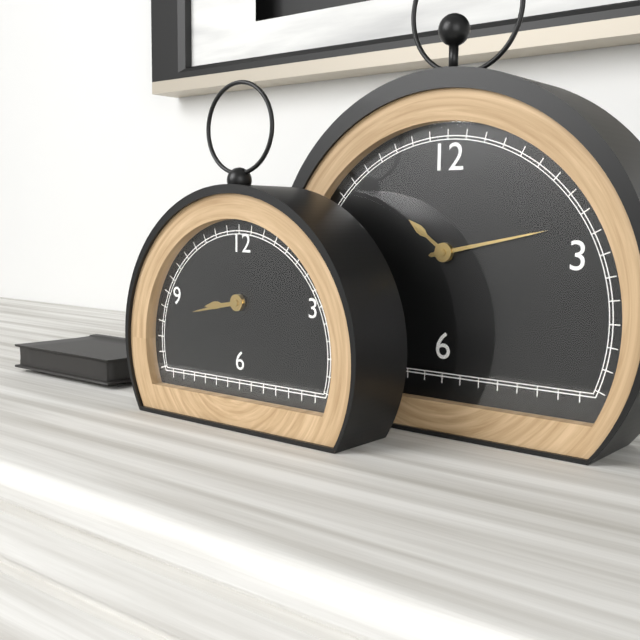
8:43
